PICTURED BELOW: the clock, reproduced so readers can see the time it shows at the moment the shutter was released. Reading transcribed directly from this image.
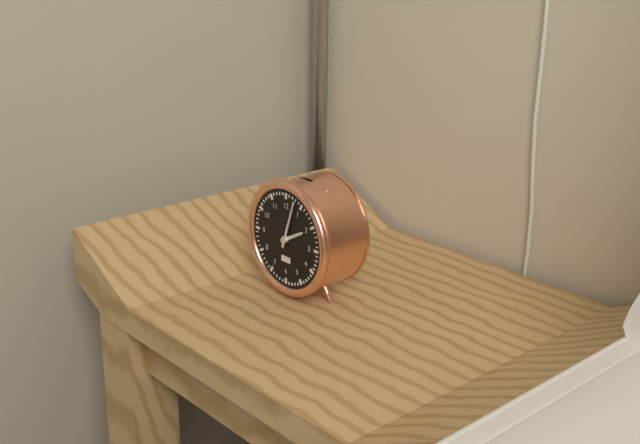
2:03
